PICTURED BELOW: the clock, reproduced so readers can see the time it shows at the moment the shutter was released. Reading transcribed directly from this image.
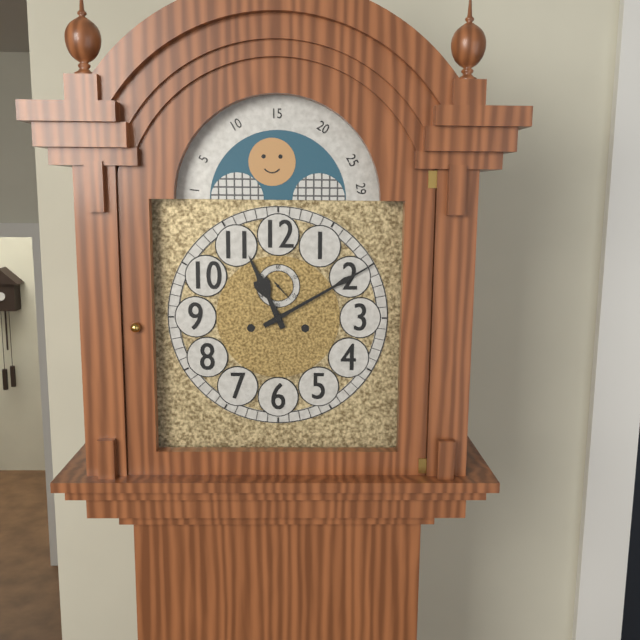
11:10
